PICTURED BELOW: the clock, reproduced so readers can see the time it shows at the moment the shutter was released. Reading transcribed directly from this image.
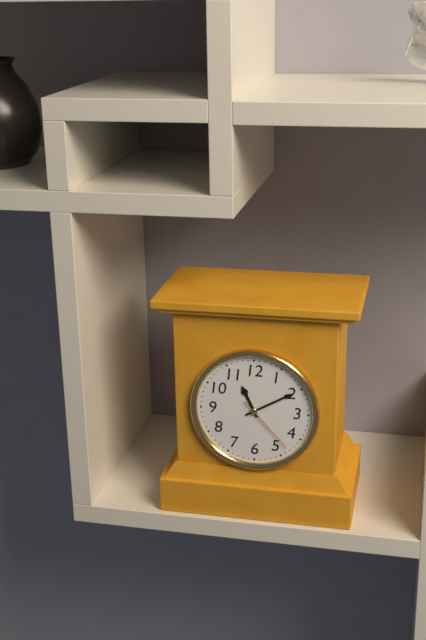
11:10:23
